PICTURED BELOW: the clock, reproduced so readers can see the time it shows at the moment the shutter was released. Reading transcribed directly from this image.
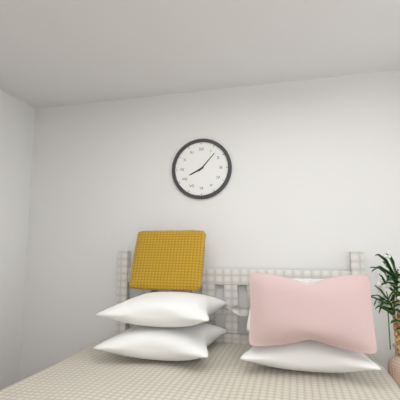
8:07
